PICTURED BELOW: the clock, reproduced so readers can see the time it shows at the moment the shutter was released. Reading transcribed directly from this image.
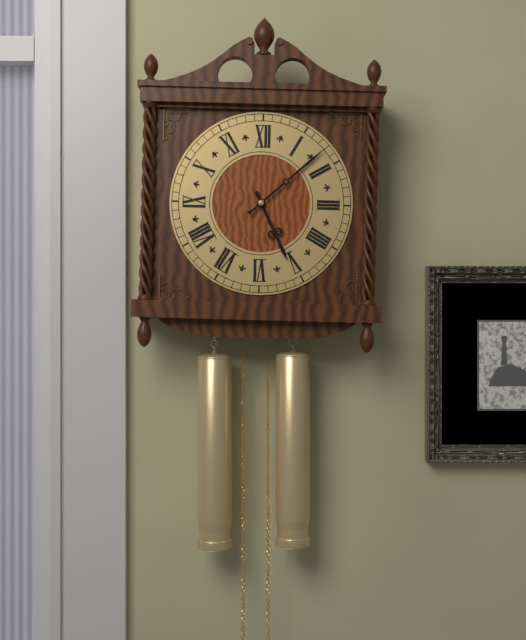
5:08
